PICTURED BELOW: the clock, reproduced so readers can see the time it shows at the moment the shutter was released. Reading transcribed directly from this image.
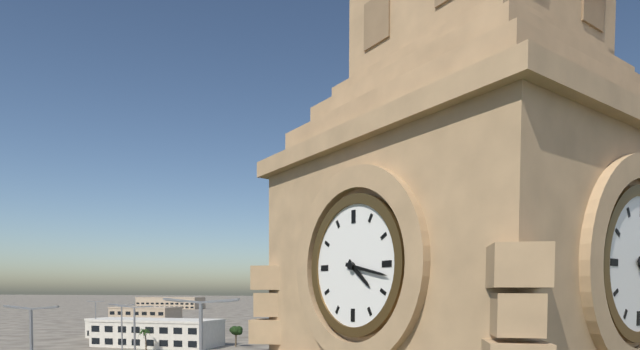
4:17
